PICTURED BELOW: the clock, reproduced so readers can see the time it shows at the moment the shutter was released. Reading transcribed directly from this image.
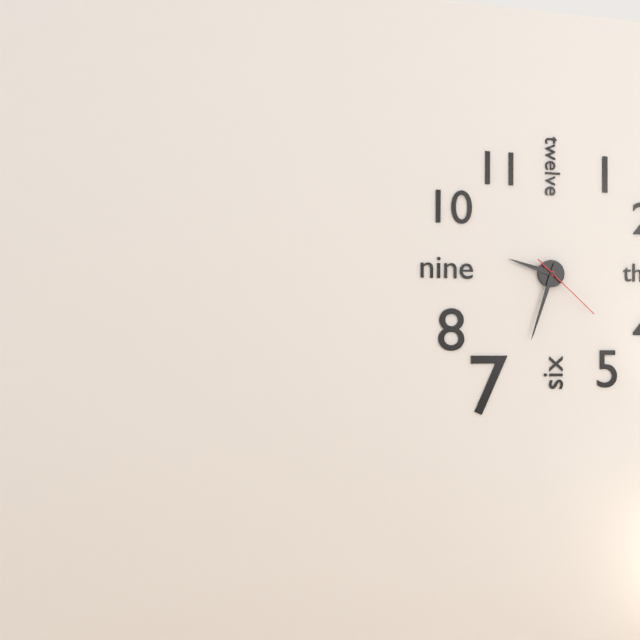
9:33:22
